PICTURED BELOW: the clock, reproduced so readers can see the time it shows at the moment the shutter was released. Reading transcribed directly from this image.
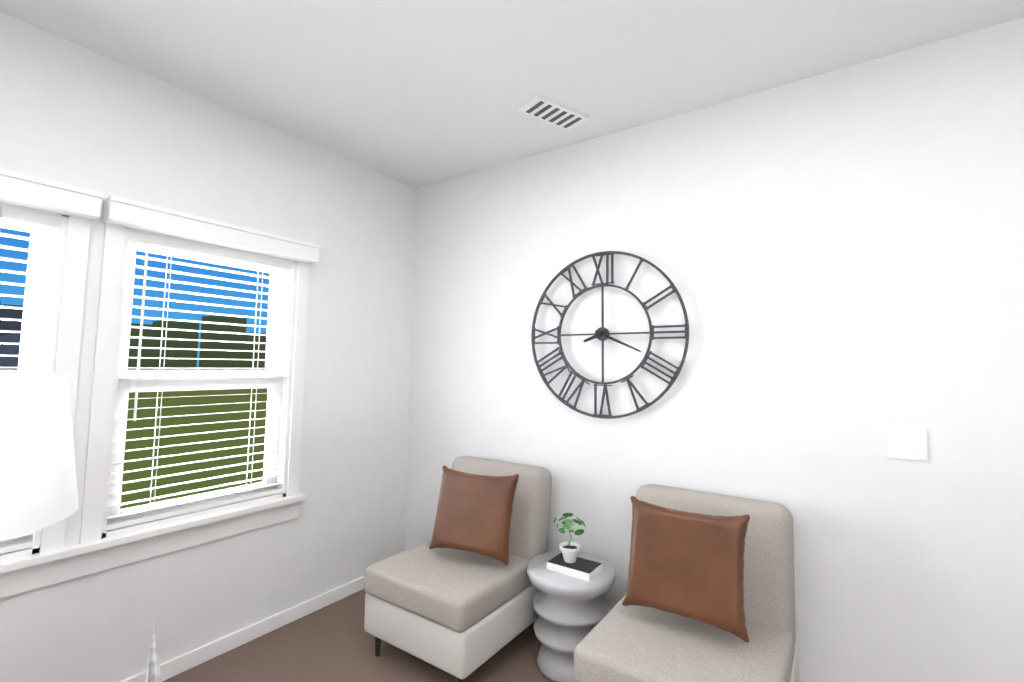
8:19
